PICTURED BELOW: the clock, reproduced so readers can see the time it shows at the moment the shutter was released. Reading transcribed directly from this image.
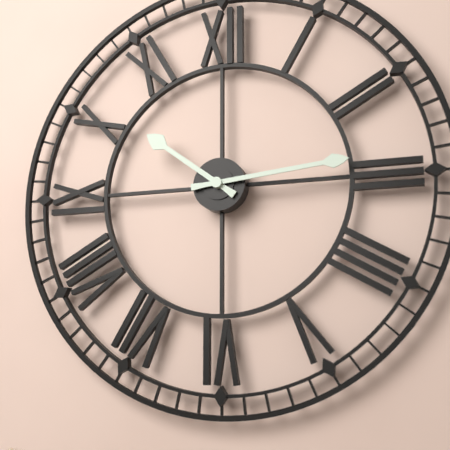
10:14
